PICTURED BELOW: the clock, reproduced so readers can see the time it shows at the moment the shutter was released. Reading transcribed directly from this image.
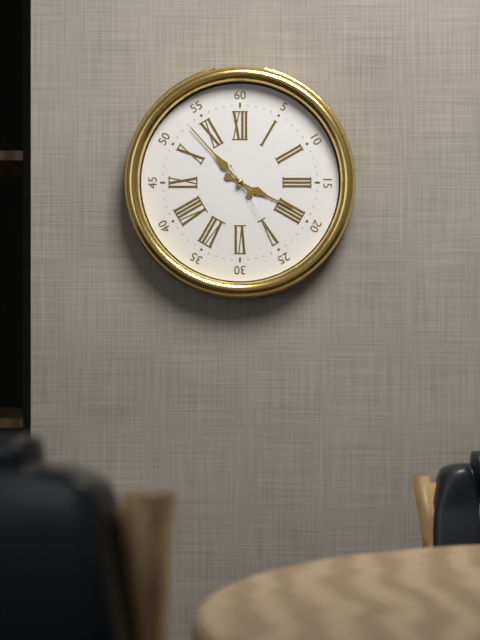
3:53:25
